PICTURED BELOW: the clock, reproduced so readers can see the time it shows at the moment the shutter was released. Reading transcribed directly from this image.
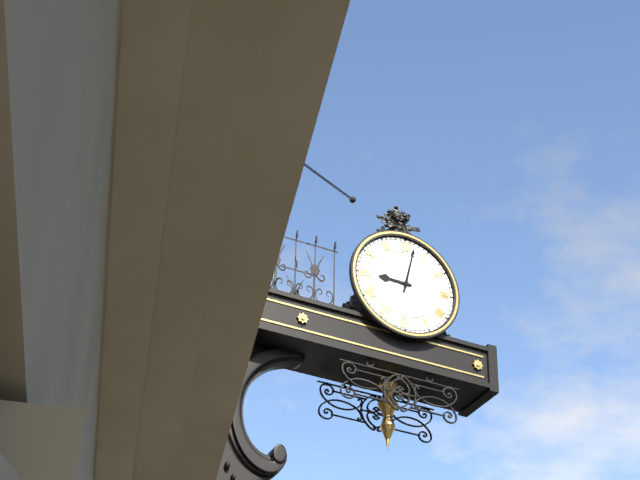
9:02
